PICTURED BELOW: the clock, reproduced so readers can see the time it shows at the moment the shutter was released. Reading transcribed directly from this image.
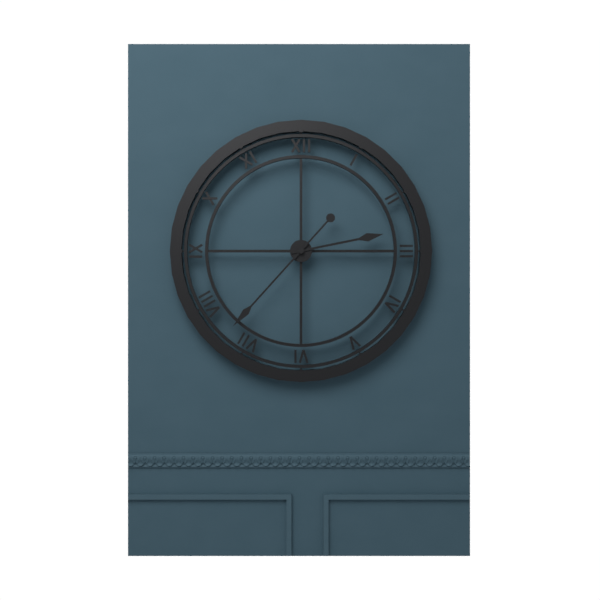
2:37
